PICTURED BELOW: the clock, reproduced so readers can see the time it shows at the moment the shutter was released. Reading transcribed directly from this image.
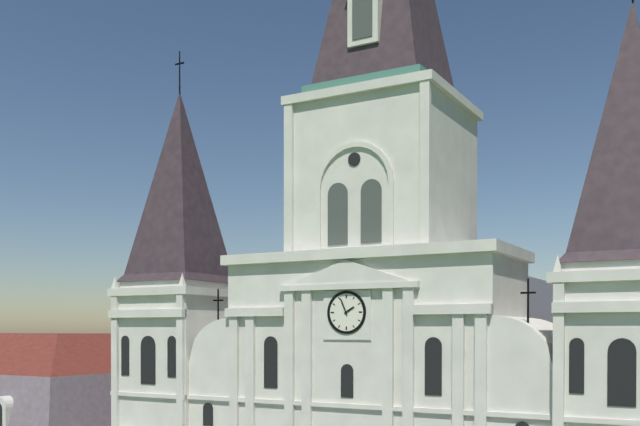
1:56
